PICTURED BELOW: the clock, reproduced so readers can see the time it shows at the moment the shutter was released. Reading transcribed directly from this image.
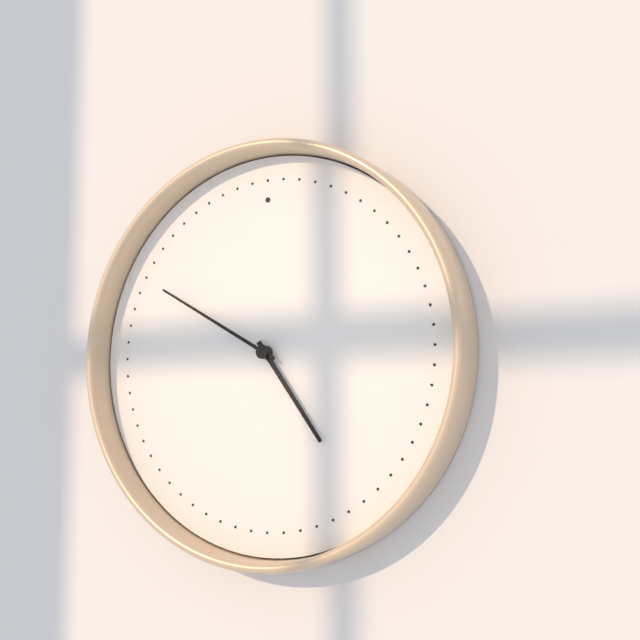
4:50
